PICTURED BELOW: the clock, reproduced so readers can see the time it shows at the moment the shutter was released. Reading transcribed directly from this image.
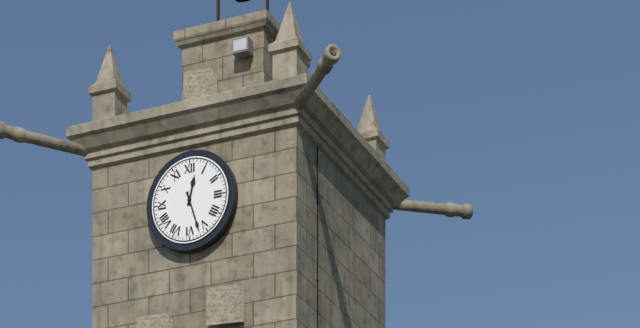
12:27
